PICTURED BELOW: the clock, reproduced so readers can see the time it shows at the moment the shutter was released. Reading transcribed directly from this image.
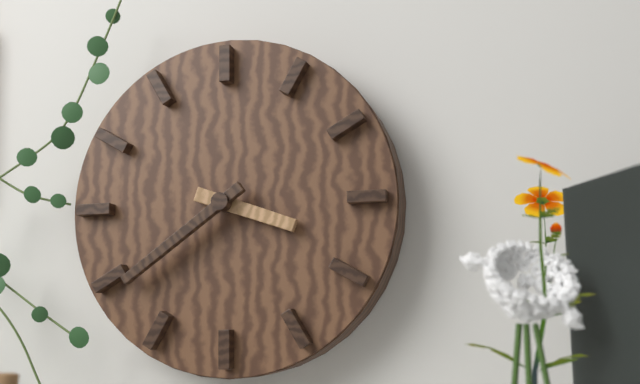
3:39
